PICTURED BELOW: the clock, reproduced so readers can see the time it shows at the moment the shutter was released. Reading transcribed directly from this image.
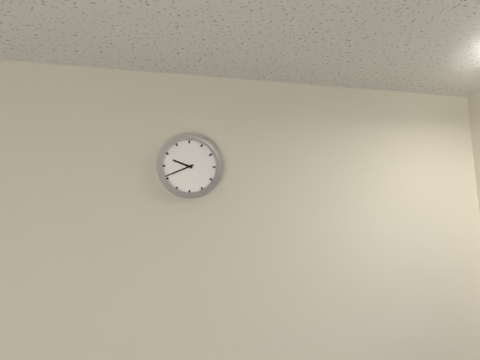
9:41
